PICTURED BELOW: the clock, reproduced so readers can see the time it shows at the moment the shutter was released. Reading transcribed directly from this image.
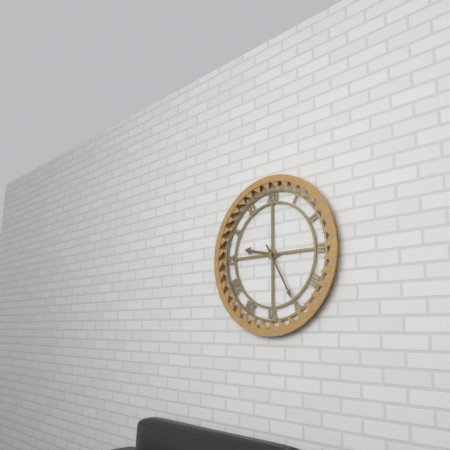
9:25
